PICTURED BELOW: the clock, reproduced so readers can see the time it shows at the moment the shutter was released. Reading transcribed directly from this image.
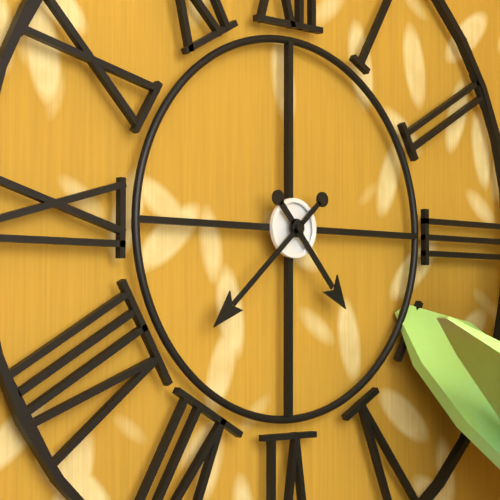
4:38
